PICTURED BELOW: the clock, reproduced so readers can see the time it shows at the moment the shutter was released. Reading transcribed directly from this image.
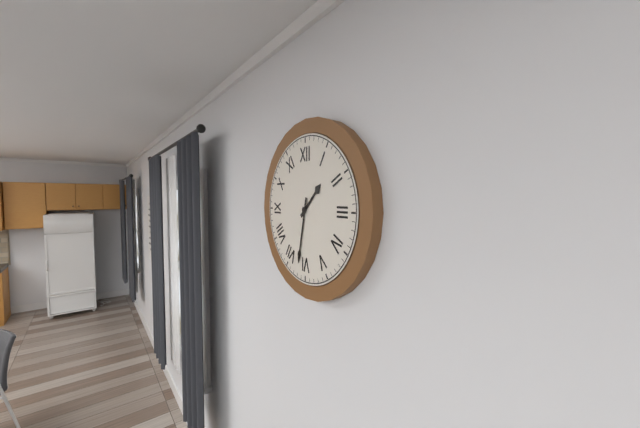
1:32
